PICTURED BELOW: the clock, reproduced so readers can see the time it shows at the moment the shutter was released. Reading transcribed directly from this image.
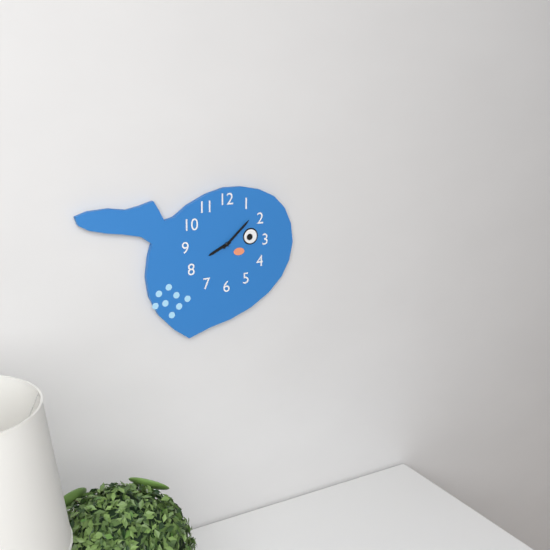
8:08
